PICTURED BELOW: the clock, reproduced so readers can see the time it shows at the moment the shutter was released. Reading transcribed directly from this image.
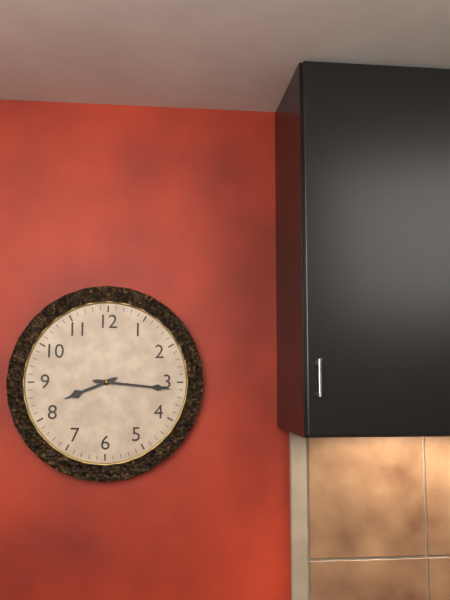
8:16
